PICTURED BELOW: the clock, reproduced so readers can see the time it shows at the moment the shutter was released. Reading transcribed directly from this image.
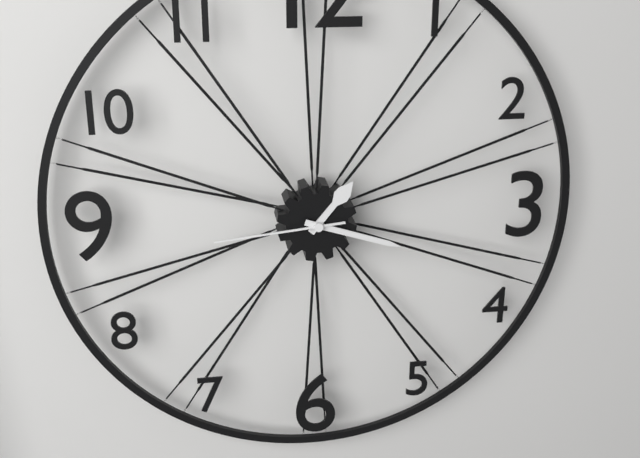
1:18:44
